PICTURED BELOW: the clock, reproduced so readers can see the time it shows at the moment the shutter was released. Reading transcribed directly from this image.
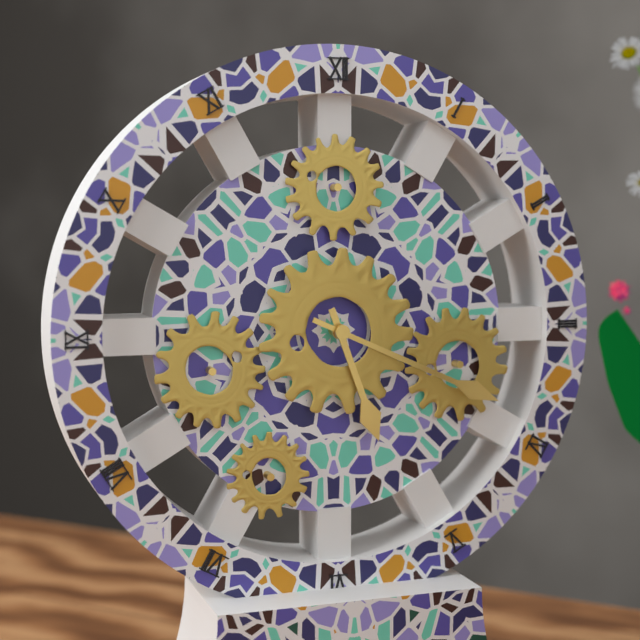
5:19
